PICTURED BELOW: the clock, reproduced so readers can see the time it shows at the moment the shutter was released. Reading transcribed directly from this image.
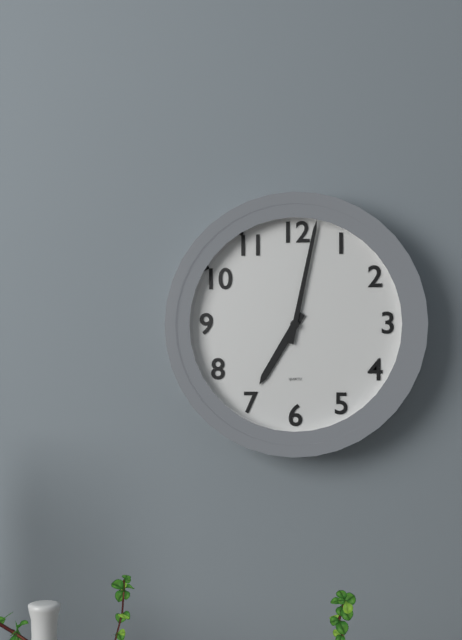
7:02
